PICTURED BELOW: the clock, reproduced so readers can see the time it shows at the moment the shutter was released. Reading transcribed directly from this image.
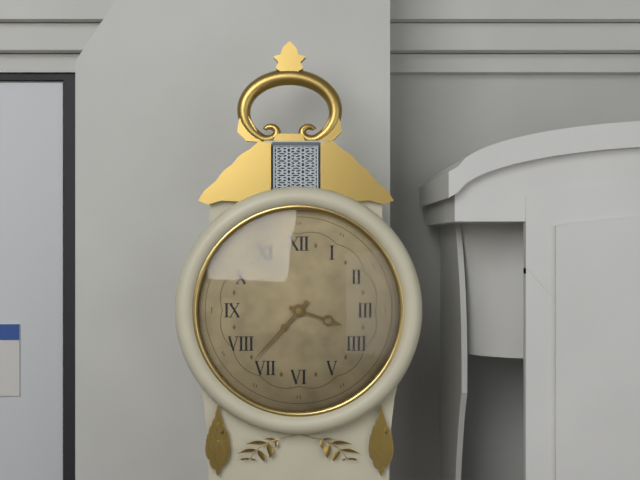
3:37
